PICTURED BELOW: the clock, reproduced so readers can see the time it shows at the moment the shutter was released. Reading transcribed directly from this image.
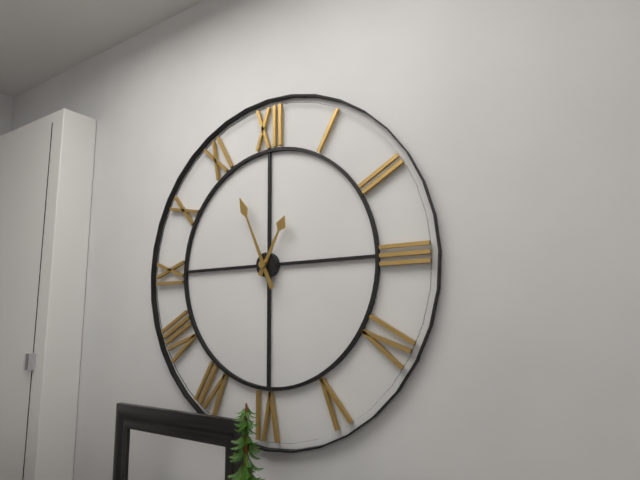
12:56
